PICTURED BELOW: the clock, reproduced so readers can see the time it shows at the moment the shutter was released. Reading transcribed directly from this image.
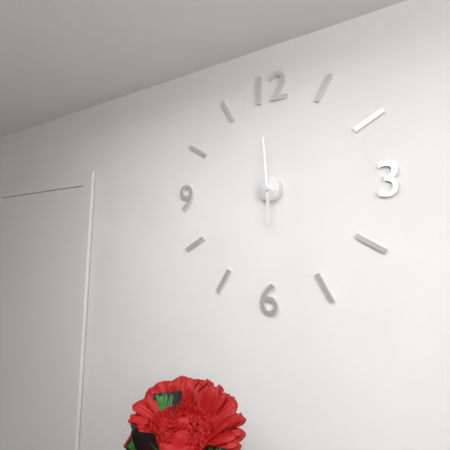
5:59
